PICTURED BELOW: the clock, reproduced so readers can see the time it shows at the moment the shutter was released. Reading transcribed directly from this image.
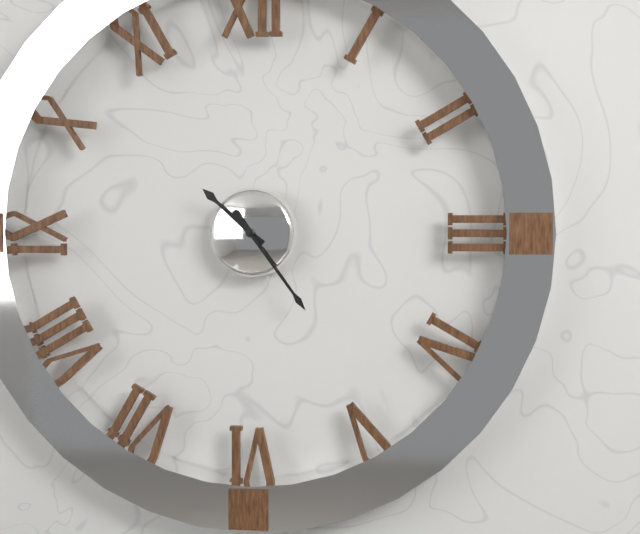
10:24
